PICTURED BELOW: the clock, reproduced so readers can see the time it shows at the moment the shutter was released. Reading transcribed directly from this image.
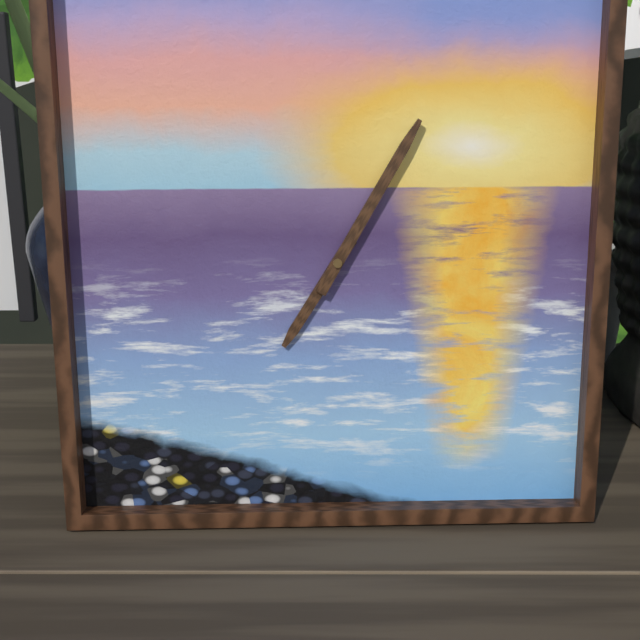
7:05
